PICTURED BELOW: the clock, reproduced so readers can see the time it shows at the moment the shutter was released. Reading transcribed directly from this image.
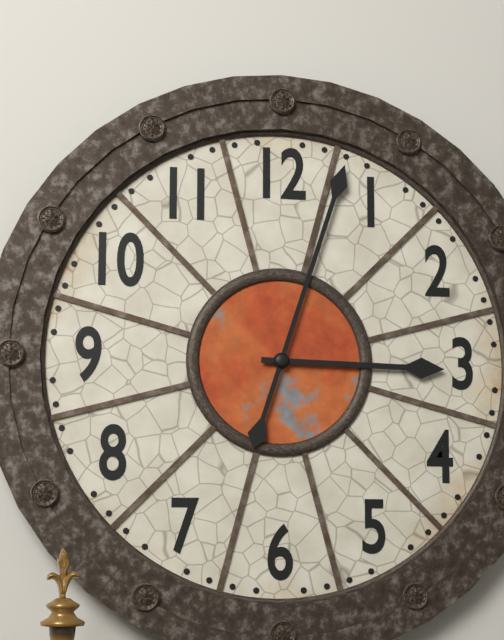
3:03
